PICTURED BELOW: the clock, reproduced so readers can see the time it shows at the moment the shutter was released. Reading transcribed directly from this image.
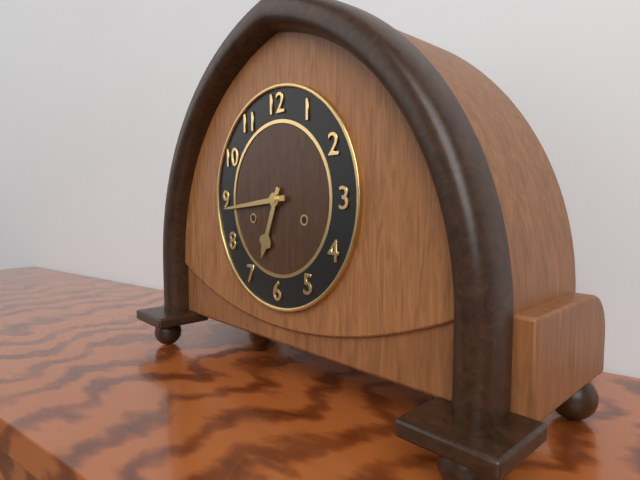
6:44
